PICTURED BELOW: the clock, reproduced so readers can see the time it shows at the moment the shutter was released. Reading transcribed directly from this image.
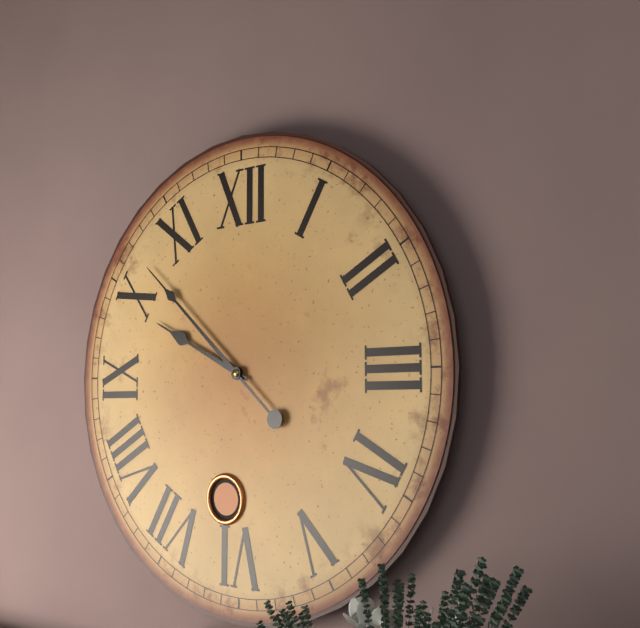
9:52
